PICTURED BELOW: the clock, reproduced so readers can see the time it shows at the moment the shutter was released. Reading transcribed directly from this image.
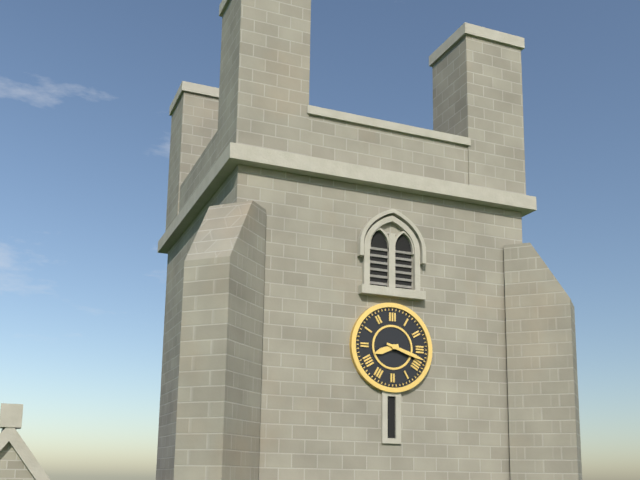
8:18
